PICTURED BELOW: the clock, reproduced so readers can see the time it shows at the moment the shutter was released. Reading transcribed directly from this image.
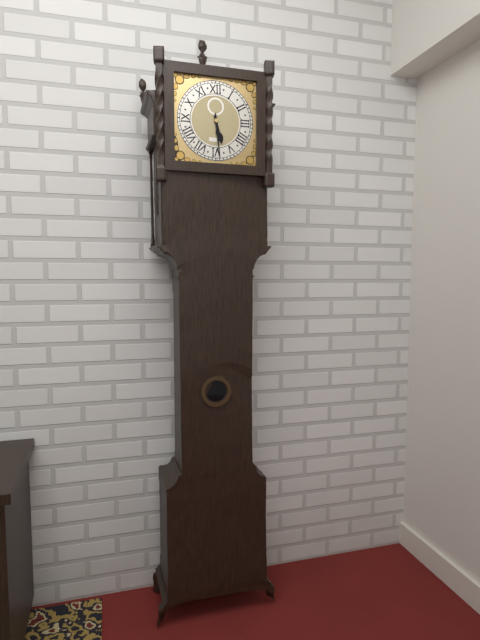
5:29
